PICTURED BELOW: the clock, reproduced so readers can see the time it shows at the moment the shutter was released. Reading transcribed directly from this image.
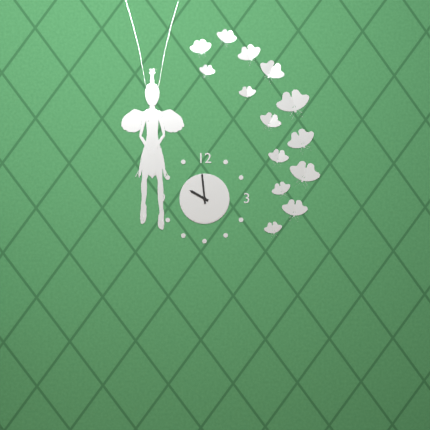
9:59
